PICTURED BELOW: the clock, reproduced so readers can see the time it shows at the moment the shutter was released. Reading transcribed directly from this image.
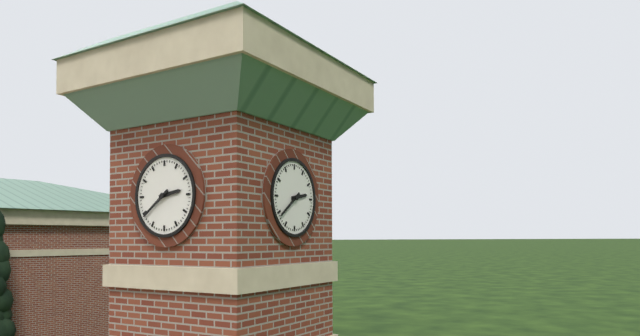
2:39
